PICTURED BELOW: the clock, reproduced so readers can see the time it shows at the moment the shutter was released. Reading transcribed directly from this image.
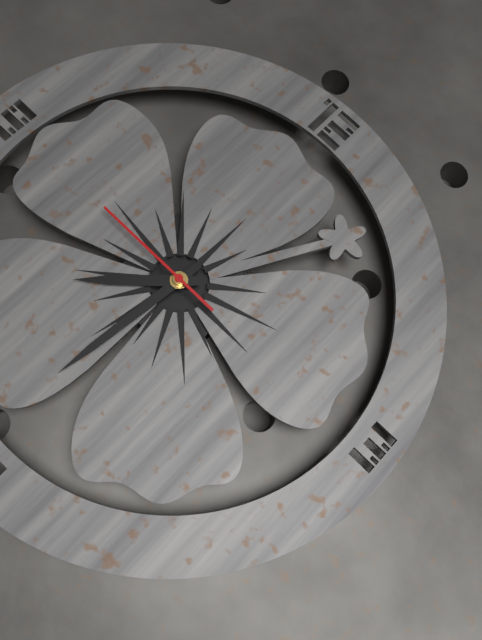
7:31:45
